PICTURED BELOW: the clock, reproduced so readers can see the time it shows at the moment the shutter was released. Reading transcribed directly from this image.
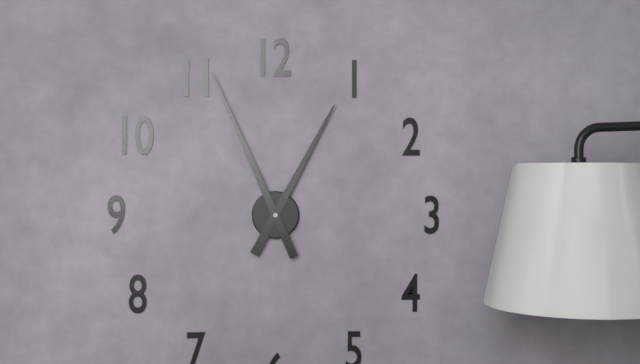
12:56
